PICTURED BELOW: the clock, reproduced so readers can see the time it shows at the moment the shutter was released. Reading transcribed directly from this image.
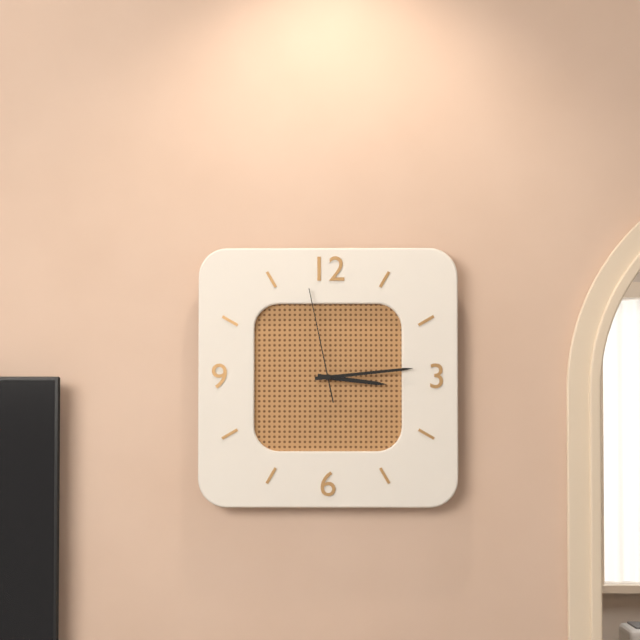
3:14:58
